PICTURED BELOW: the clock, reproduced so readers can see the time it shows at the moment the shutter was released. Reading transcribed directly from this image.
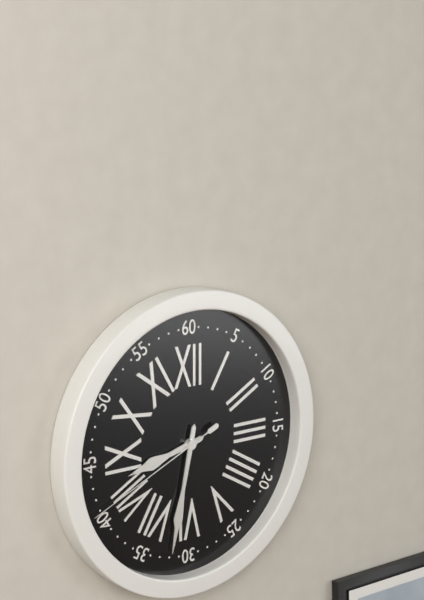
8:32:41
